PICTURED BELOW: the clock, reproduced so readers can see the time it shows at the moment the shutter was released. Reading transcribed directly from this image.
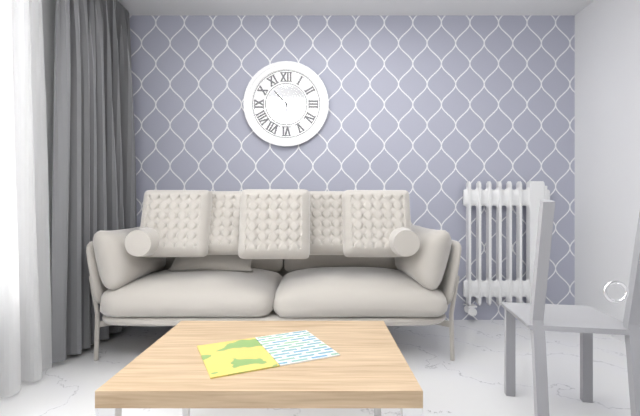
5:53
